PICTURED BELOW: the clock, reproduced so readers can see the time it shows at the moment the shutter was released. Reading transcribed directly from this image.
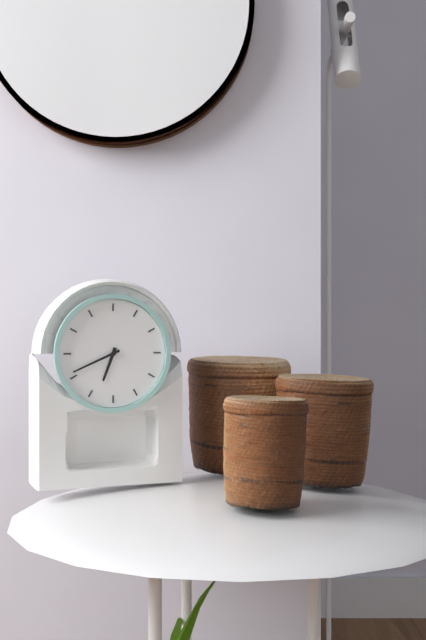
6:41
